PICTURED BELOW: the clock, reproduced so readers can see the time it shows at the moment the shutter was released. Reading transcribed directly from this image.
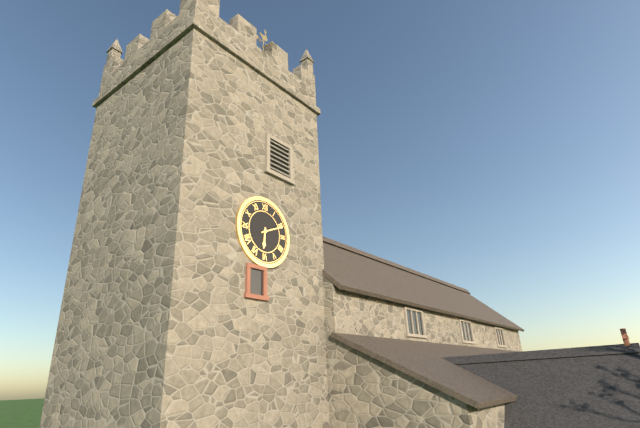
6:11
